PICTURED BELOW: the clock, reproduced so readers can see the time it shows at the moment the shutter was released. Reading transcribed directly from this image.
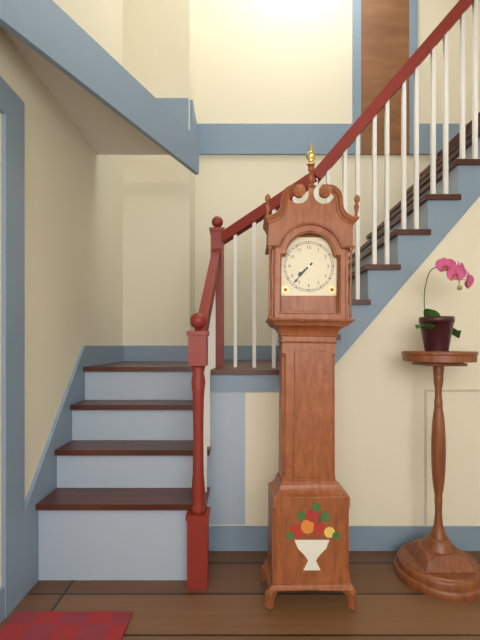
7:37
